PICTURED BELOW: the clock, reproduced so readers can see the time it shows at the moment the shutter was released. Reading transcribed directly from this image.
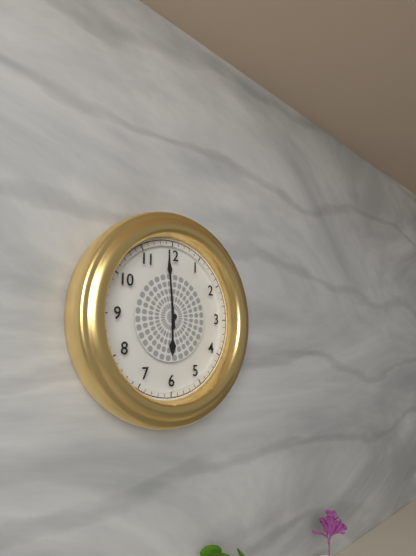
5:59
